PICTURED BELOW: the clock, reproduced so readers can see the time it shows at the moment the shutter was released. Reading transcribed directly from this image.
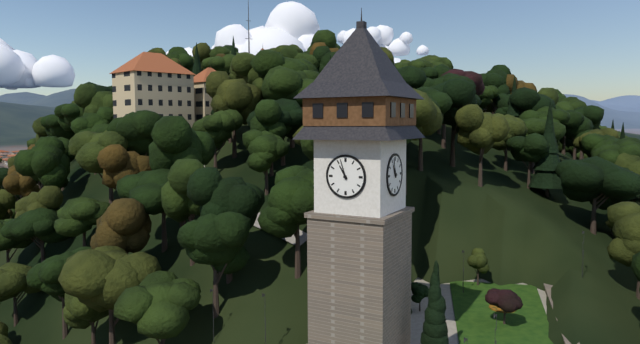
10:57
